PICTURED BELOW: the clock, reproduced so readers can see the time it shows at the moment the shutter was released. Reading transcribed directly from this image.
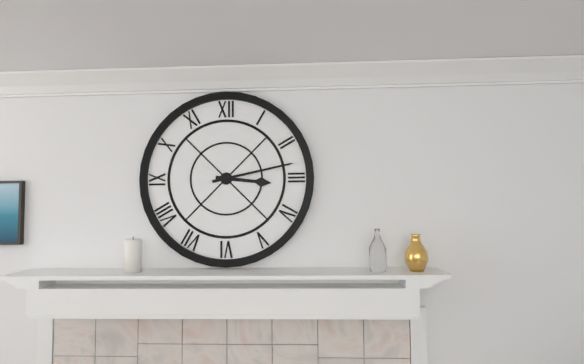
3:13
